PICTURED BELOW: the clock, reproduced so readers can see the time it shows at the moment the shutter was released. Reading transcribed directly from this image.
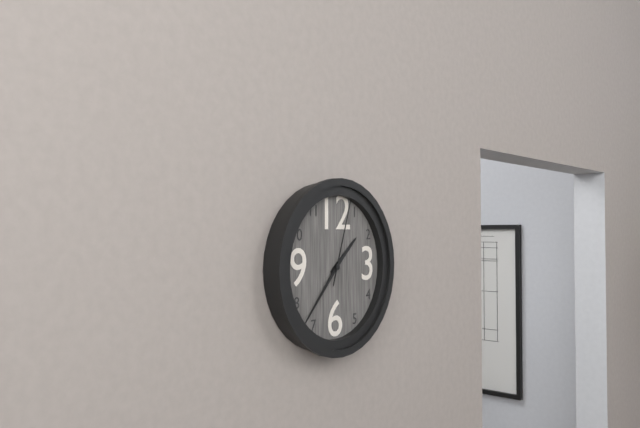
1:37:03
